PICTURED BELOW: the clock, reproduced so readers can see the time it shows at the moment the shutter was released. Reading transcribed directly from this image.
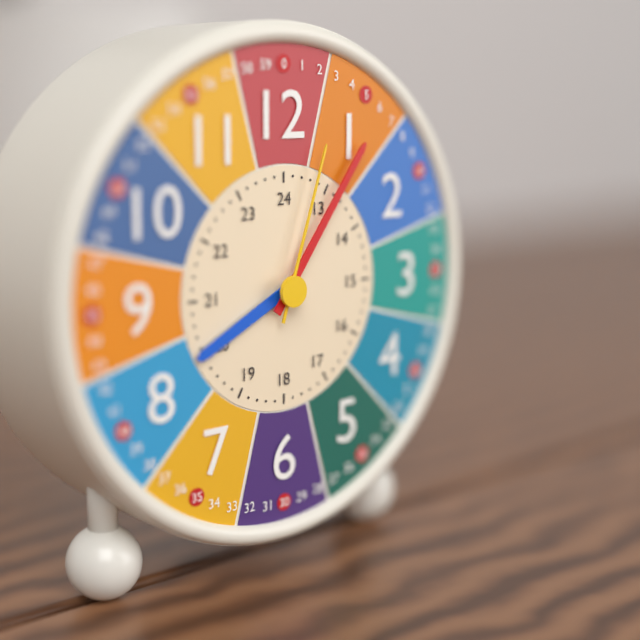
8:06:03
